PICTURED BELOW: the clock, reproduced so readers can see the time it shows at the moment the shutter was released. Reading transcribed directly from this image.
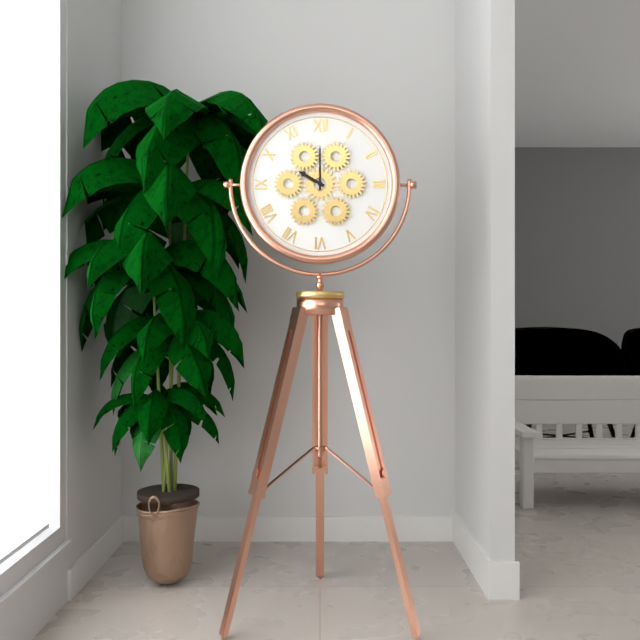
10:00
